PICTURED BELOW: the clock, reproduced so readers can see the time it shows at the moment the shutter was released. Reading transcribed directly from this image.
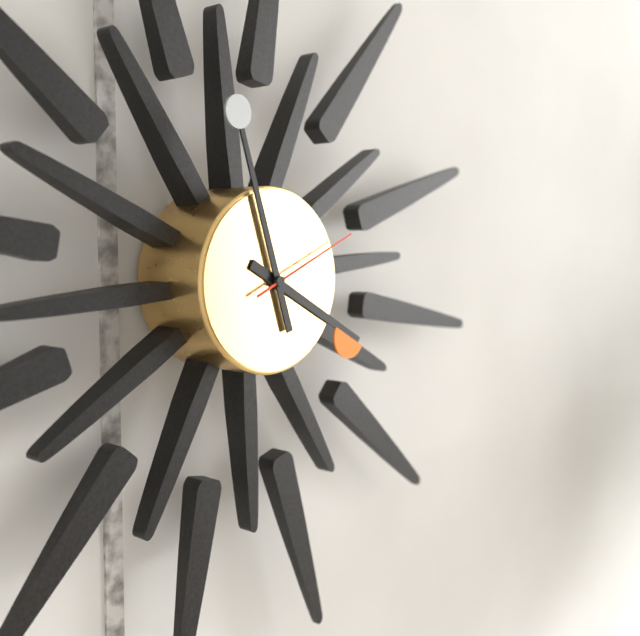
3:57:11
